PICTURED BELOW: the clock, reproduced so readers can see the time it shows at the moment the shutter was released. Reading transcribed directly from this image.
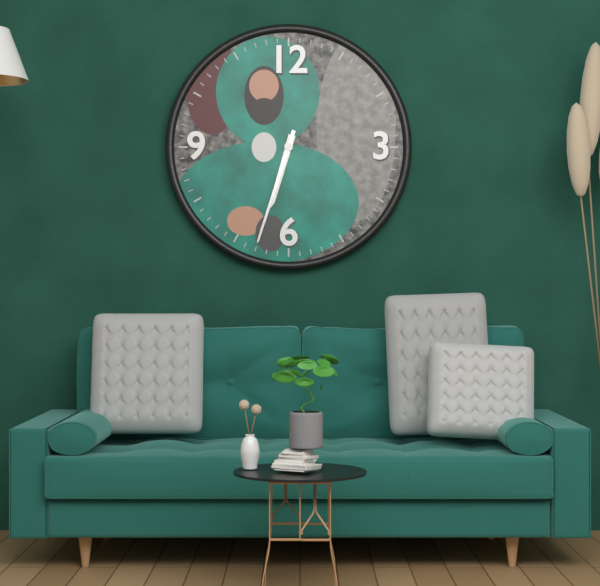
6:33
